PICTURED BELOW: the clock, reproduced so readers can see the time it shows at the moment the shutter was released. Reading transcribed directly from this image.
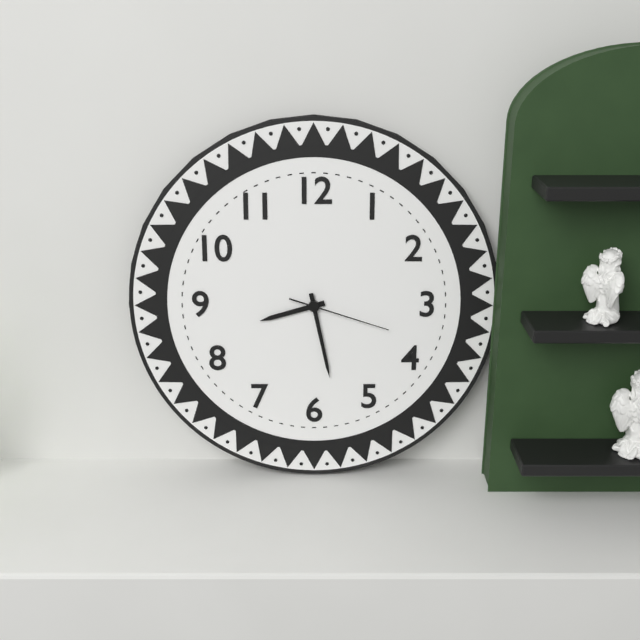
8:28:18
